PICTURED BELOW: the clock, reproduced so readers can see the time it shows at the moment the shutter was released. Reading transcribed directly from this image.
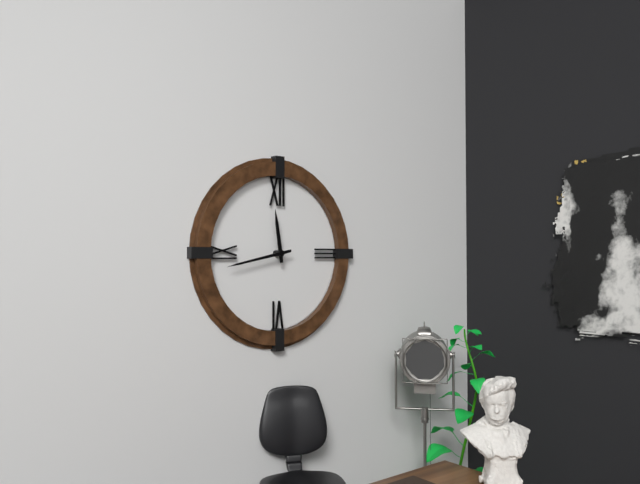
11:43
